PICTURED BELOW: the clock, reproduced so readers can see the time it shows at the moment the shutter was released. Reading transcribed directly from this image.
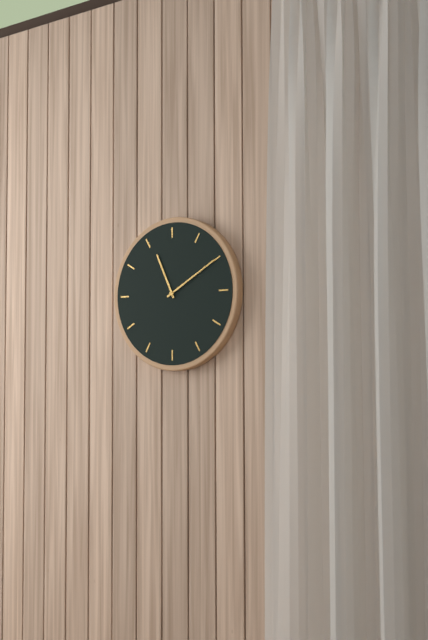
11:10
